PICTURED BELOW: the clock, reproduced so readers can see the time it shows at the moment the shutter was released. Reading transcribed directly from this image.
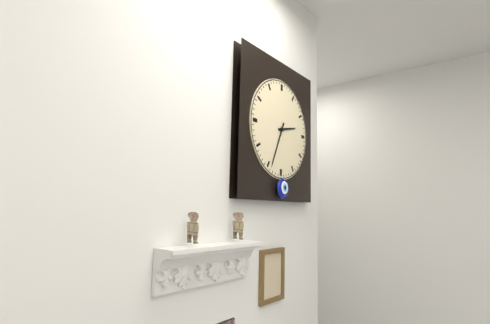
2:34
